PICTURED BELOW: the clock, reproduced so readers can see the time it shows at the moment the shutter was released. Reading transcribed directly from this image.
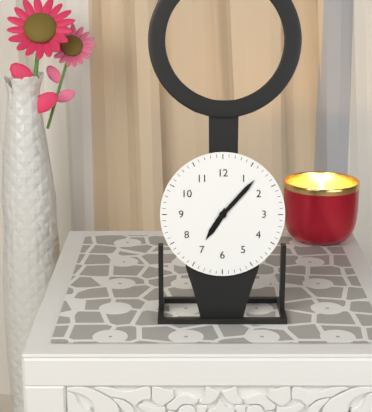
7:07
